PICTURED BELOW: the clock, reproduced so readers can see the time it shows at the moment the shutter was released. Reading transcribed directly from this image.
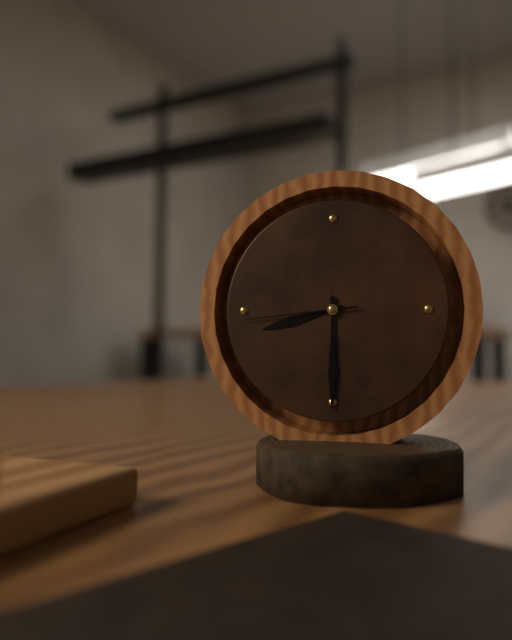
8:30:44
